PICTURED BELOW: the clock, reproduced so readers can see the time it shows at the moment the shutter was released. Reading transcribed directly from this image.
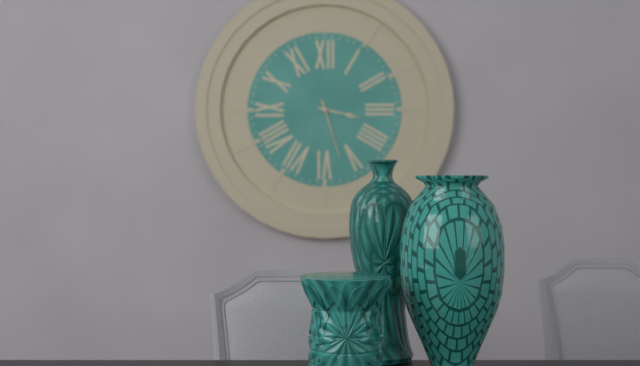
3:27
